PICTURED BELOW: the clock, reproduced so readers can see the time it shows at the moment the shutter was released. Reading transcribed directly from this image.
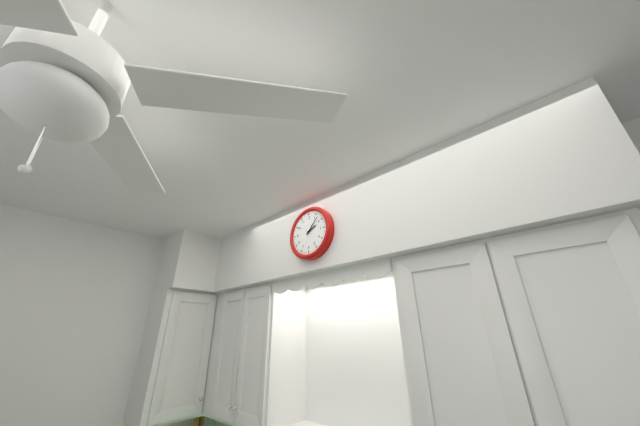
2:07
